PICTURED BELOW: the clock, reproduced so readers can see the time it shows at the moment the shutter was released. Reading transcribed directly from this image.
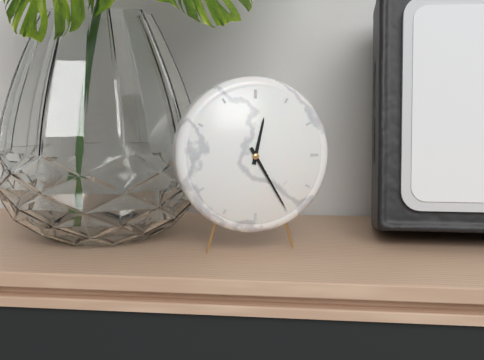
12:25
